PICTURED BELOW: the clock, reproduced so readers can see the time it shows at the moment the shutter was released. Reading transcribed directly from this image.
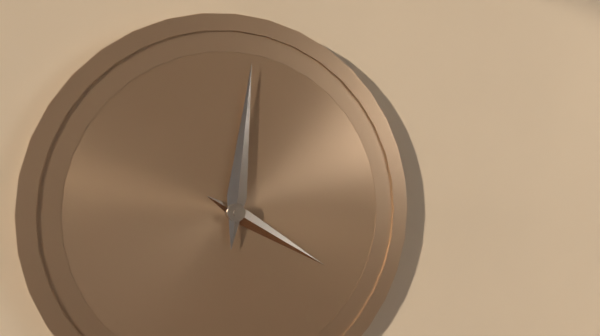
4:01
